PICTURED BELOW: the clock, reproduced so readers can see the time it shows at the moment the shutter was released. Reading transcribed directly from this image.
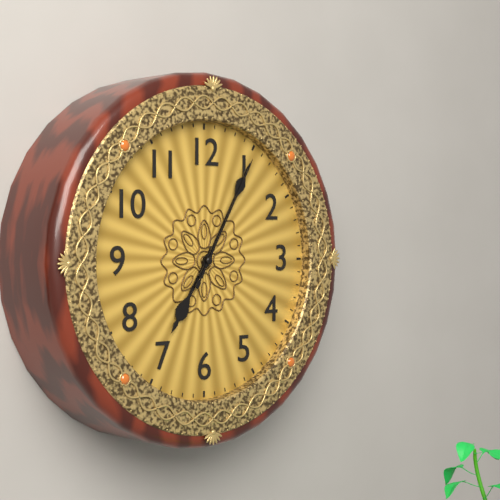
7:05:05
